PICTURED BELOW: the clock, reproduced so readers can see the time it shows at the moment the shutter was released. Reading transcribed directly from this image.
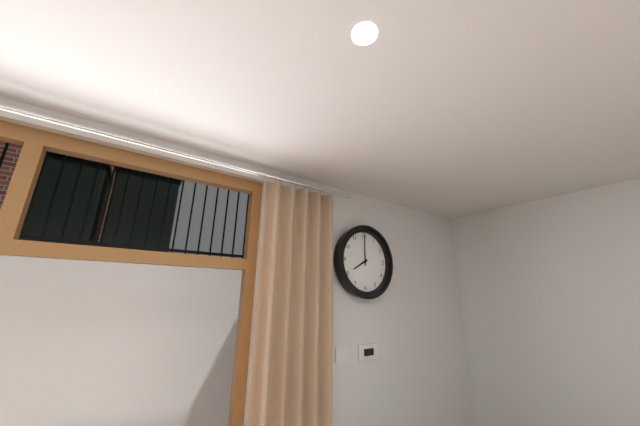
8:00
